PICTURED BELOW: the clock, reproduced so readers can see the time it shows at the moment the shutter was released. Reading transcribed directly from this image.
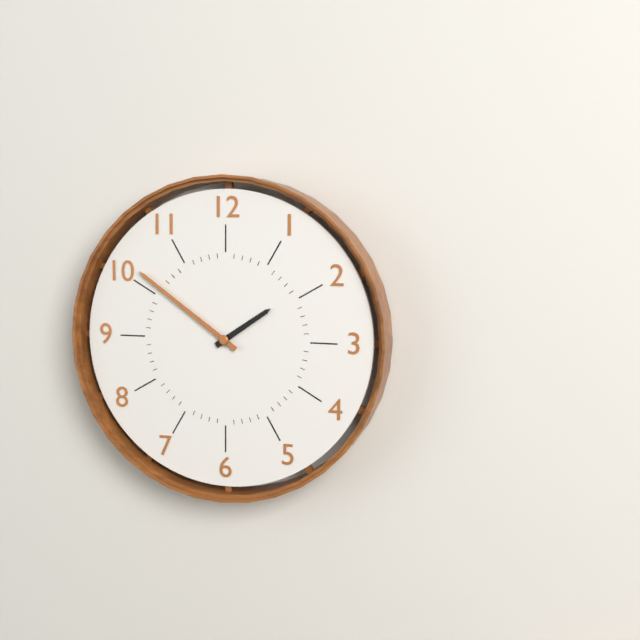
1:51
